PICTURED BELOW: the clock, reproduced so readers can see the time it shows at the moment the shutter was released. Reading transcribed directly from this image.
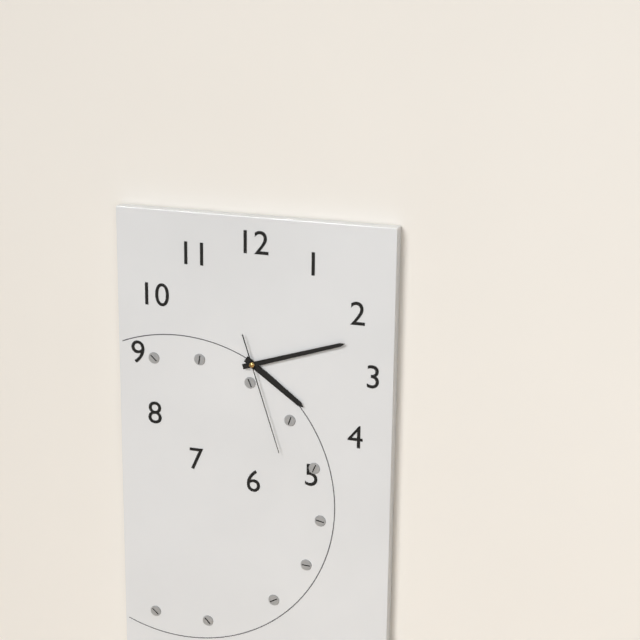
4:12:27
